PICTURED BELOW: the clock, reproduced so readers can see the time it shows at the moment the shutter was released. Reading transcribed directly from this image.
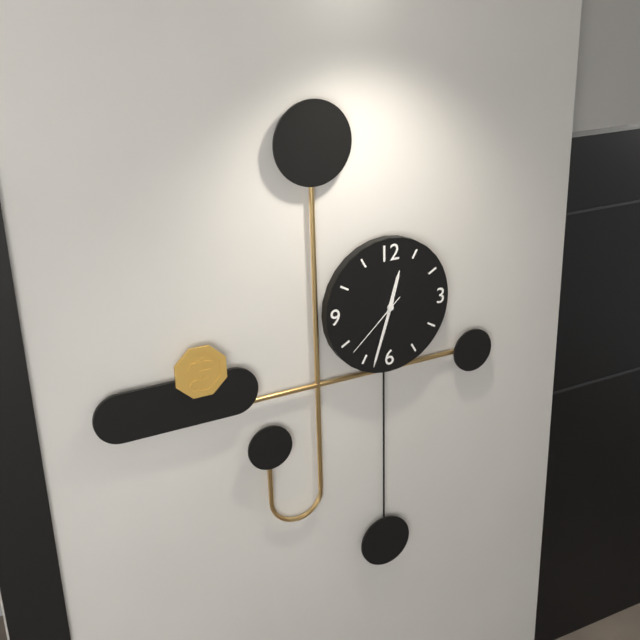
12:33:38
